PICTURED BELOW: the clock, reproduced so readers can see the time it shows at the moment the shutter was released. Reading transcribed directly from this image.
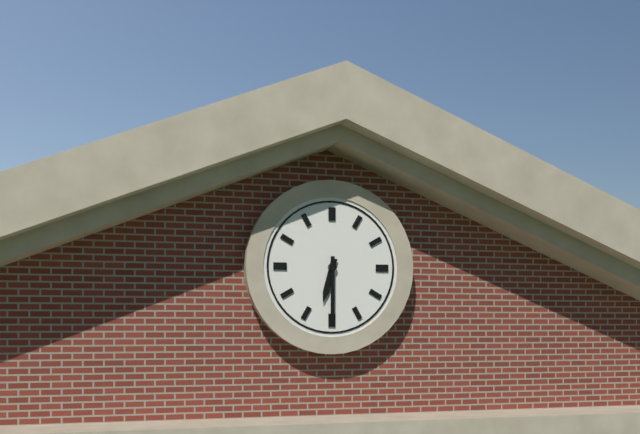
6:30
